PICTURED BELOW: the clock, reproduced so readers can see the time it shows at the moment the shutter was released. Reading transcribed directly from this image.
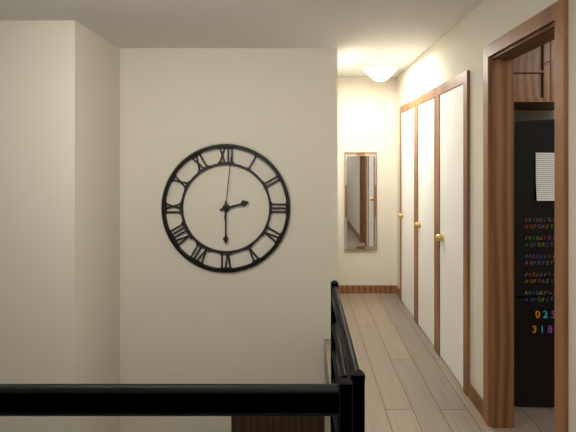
2:30:01
